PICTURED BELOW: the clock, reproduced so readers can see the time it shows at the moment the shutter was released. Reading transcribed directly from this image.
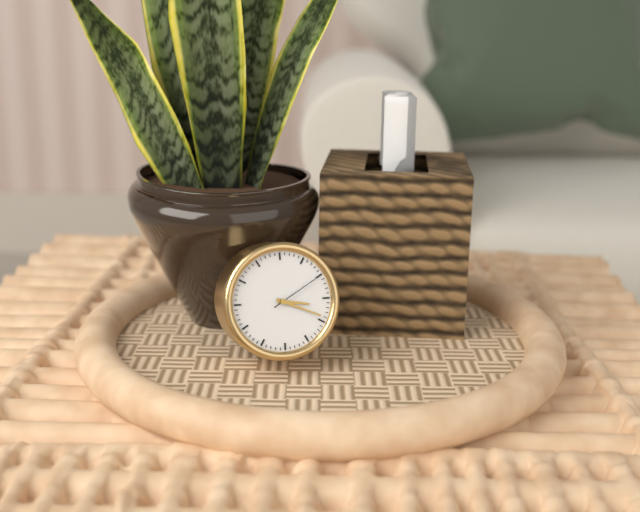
3:19:10
